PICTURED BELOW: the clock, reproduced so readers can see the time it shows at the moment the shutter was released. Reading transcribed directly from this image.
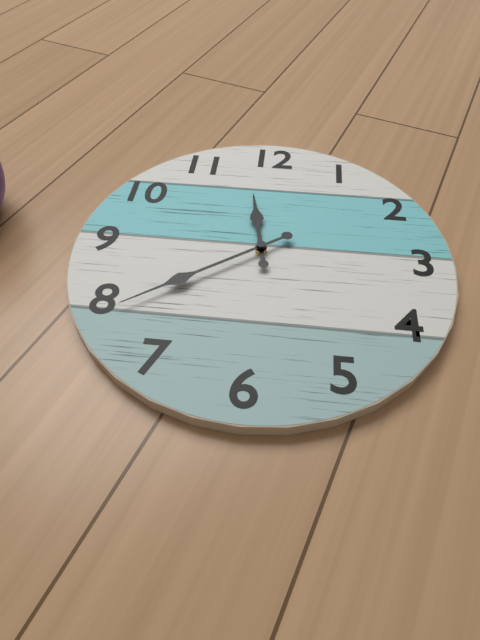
11:39
